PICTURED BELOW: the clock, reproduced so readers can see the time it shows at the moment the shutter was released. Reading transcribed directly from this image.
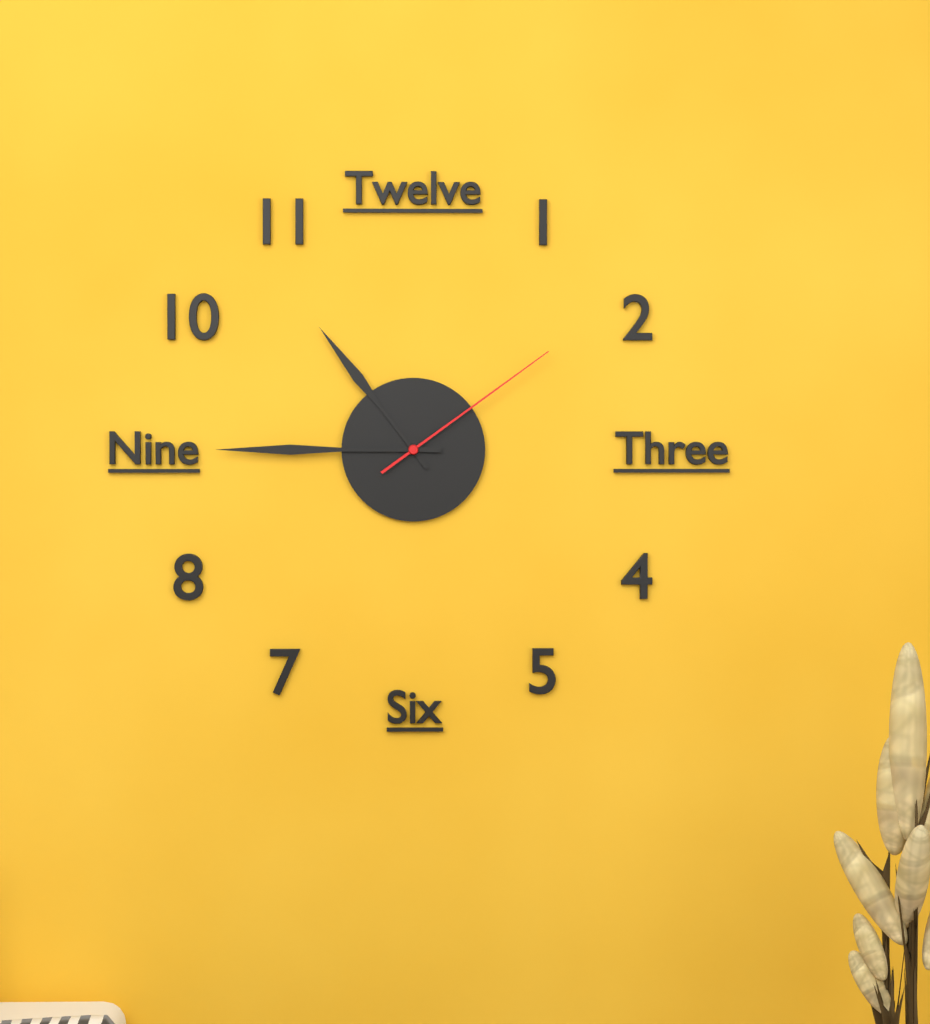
10:45:09
